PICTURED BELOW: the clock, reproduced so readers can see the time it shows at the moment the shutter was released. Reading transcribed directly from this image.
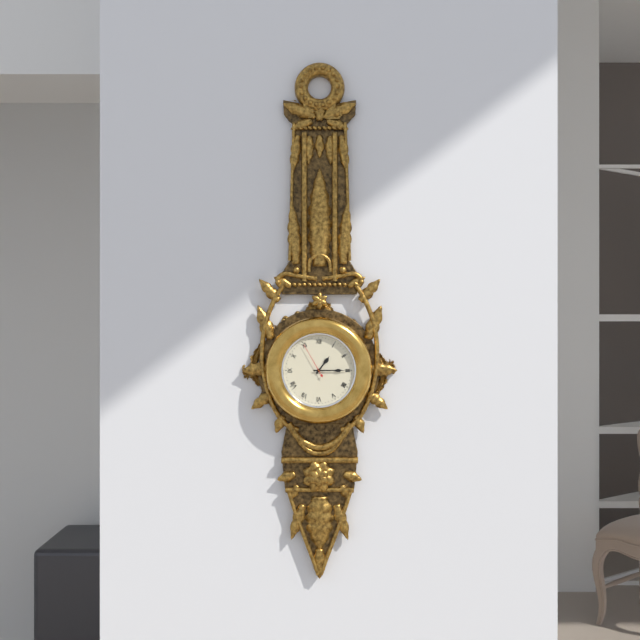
1:15
